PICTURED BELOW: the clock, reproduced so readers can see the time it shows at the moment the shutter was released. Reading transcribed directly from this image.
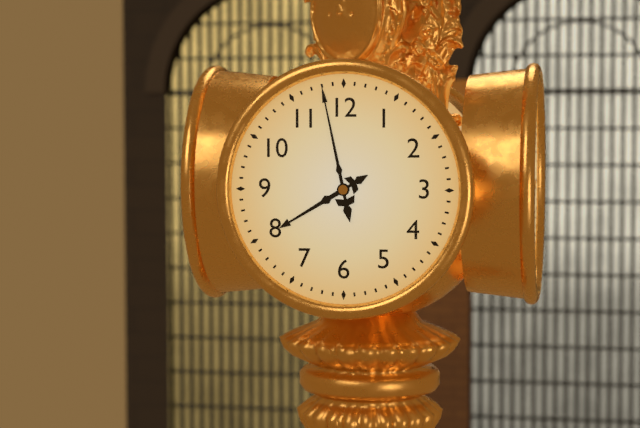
7:58
